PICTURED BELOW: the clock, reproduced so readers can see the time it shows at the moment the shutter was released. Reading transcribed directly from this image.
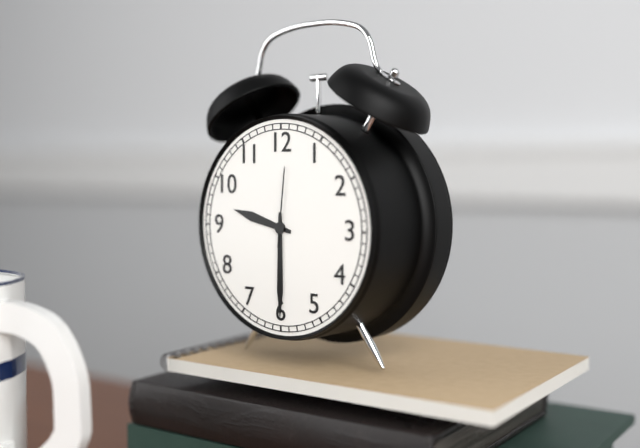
9:30:01
